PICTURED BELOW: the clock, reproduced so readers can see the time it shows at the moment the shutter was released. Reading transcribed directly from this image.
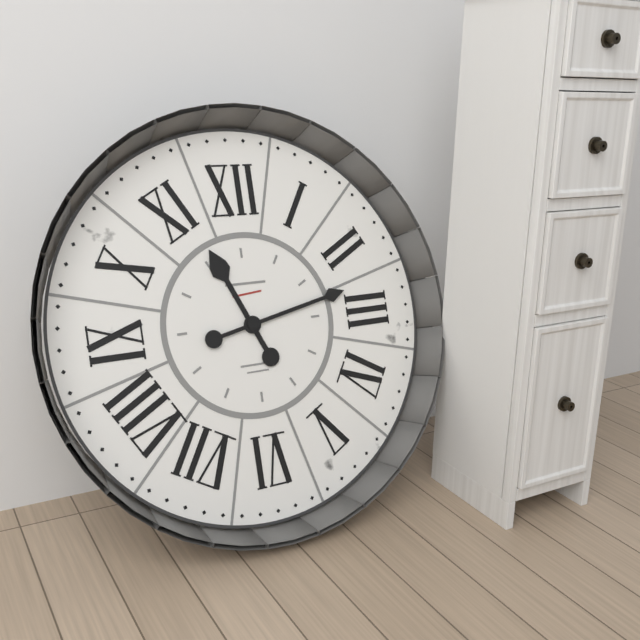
11:13
